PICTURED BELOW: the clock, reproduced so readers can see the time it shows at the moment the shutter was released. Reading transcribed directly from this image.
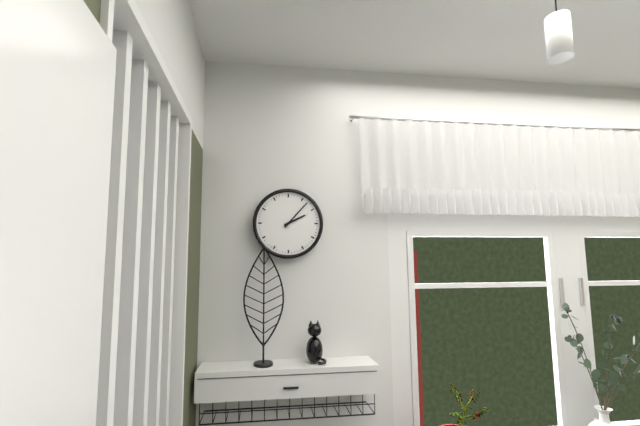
2:07
